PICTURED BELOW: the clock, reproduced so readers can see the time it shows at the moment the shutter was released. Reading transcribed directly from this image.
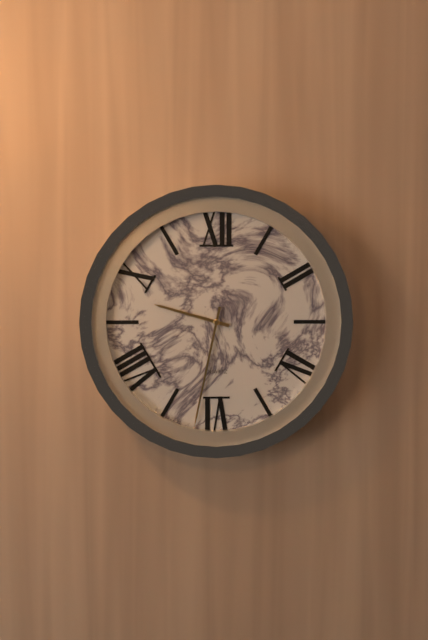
9:32
